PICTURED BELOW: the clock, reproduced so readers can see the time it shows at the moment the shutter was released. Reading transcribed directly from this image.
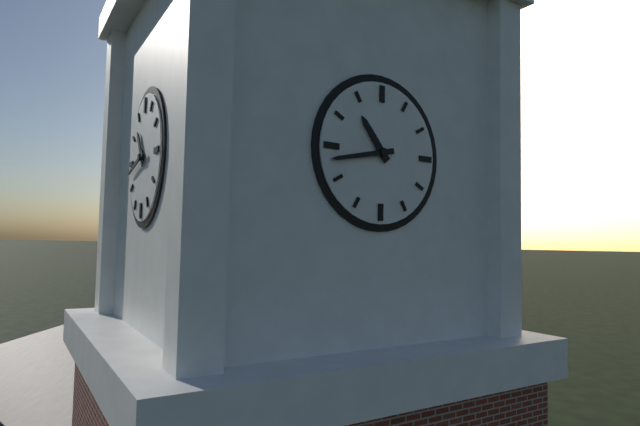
10:43
